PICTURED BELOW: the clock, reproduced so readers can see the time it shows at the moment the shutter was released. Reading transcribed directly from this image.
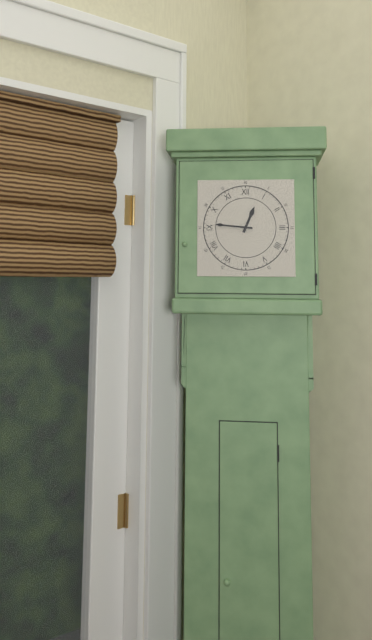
12:46
